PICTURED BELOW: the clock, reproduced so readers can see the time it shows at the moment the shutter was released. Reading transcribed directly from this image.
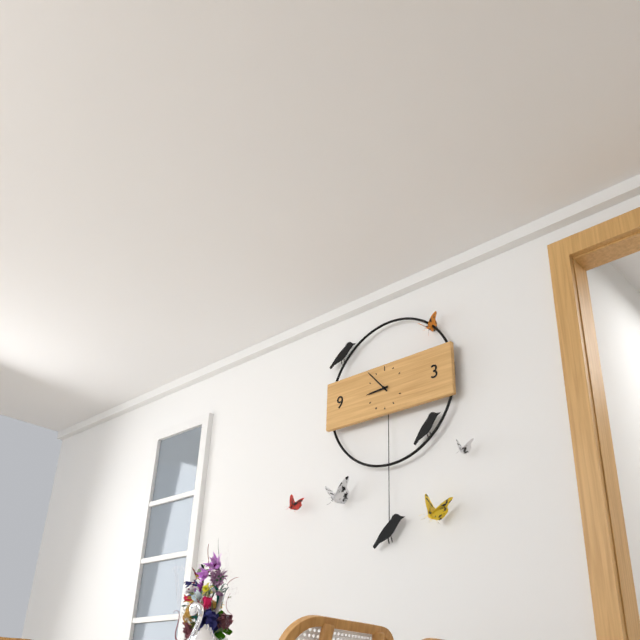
8:53
